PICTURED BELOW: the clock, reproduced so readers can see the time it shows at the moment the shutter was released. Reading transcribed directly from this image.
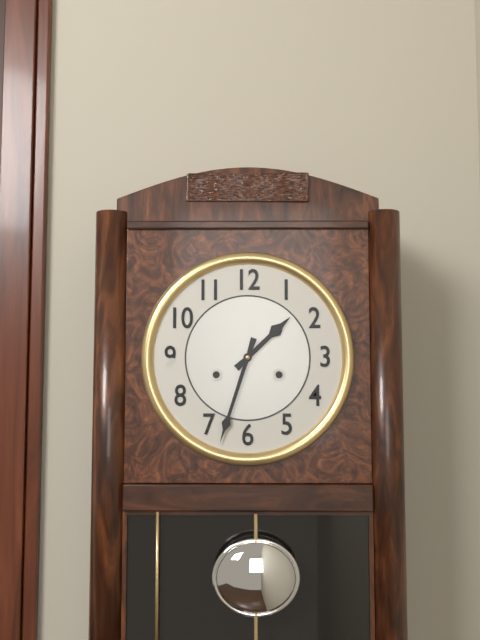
1:33
